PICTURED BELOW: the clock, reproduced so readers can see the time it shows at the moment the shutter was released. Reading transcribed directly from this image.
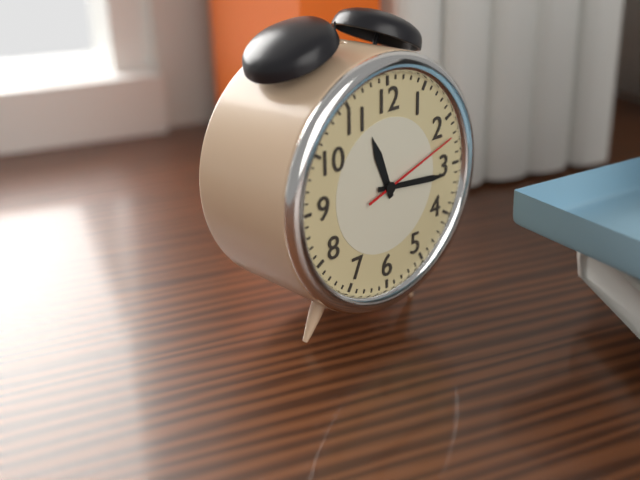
11:16:12
